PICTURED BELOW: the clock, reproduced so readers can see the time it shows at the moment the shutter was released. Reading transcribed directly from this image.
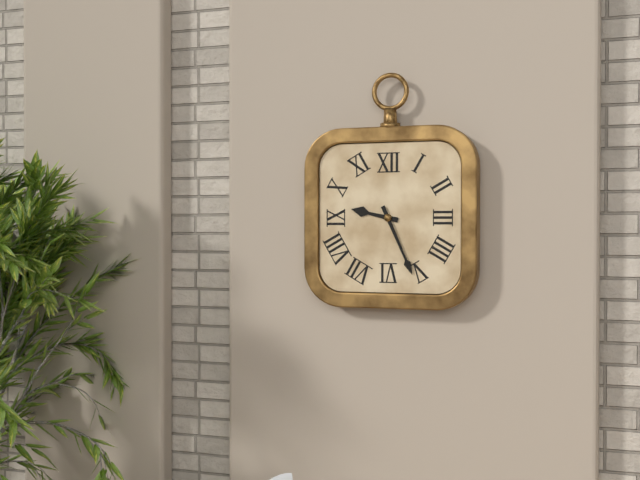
9:26
